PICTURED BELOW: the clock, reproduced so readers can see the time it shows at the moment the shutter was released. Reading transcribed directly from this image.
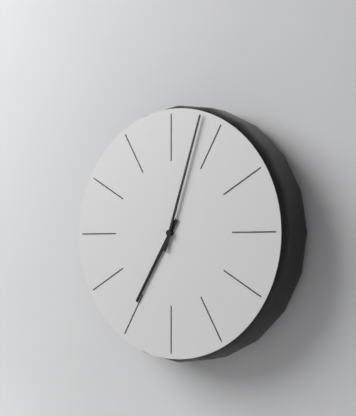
7:03
